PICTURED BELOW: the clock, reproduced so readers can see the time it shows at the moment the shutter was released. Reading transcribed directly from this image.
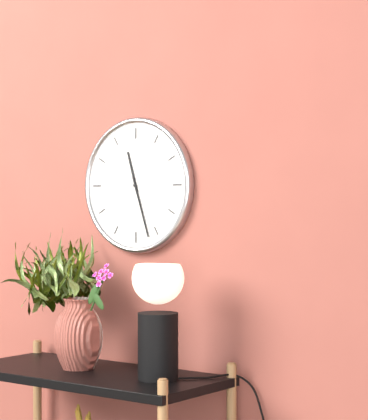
11:27
